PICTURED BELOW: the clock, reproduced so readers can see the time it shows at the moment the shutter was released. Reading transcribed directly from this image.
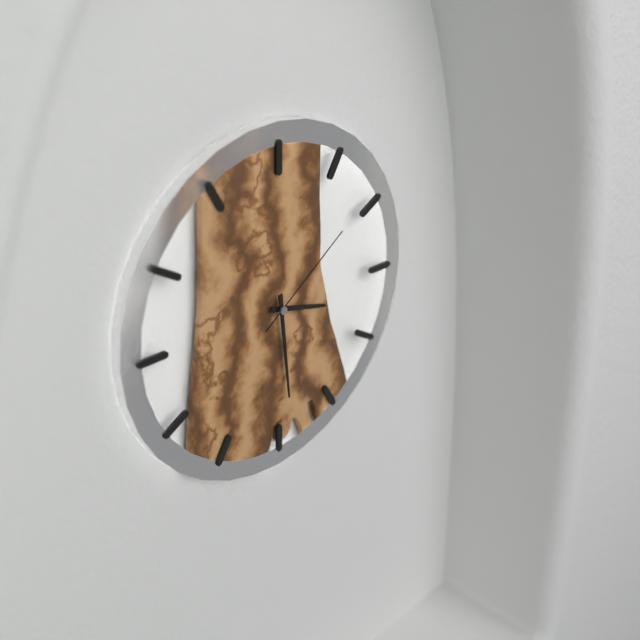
3:29:09
